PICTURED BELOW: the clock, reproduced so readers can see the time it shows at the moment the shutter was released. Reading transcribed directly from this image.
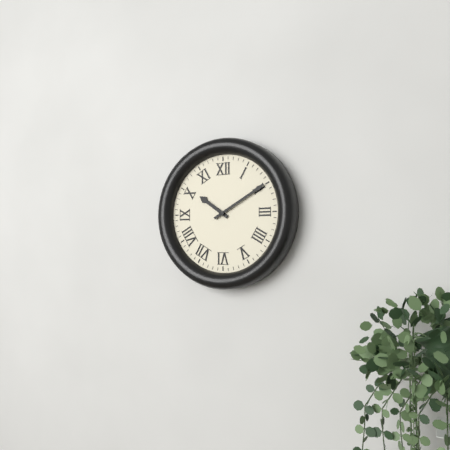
10:10
